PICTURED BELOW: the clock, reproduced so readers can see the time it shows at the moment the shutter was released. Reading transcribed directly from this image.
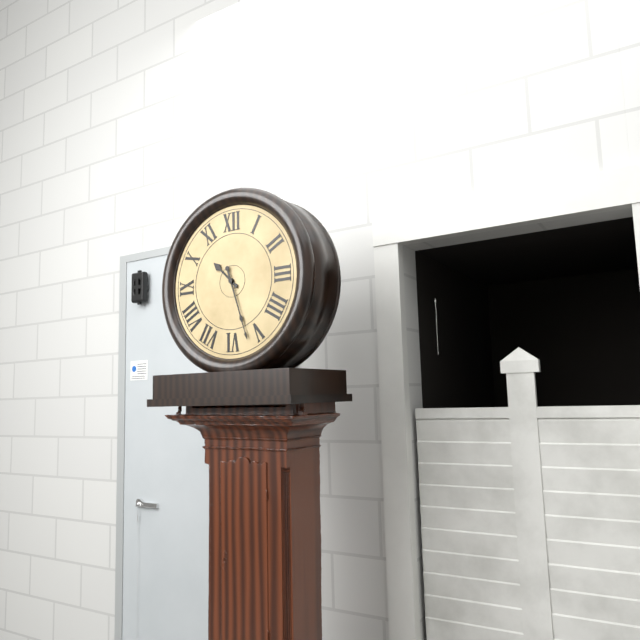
10:27
